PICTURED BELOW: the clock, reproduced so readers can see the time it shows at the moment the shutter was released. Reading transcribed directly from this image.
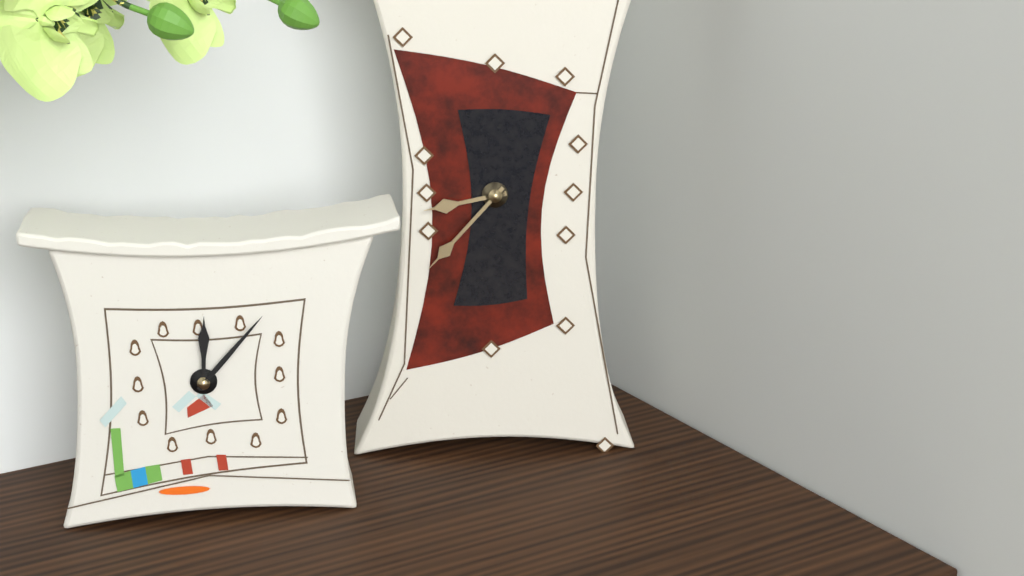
8:37
